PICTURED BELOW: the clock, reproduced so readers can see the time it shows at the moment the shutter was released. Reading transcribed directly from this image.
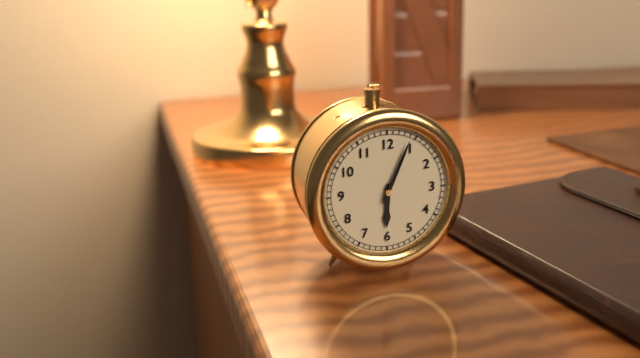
6:04
